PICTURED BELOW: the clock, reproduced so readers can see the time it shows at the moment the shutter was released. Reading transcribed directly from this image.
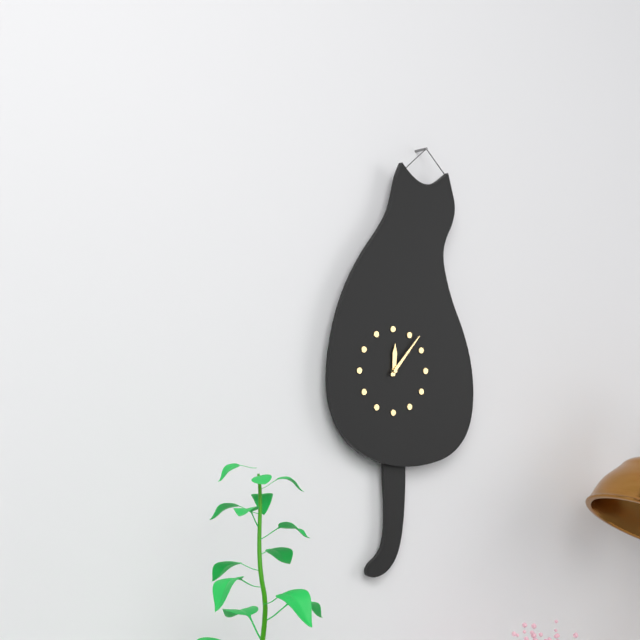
12:07
